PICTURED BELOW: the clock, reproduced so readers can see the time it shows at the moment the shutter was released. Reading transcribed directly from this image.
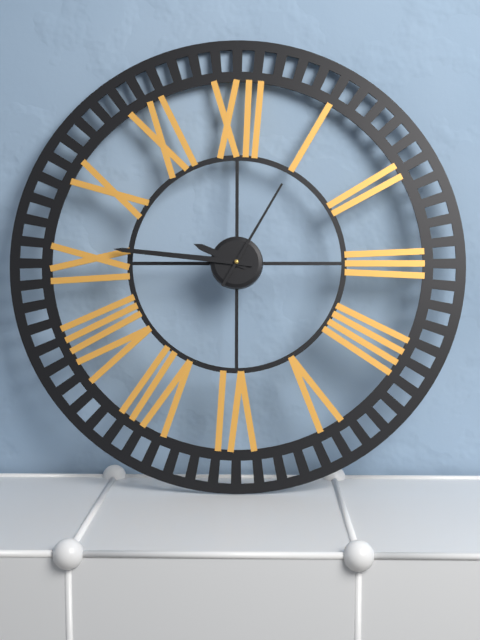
9:46:05
